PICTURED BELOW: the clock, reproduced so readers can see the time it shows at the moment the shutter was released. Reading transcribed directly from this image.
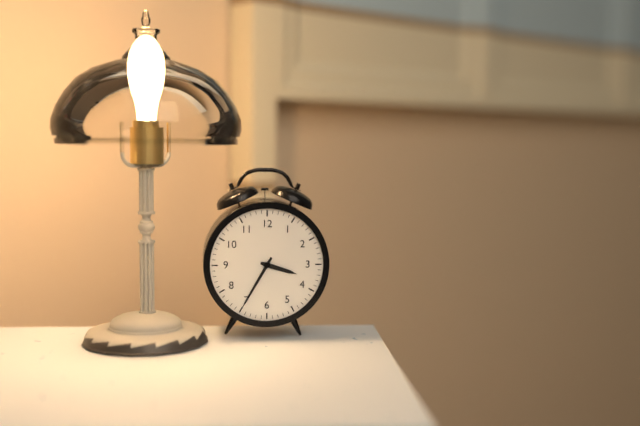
3:35
